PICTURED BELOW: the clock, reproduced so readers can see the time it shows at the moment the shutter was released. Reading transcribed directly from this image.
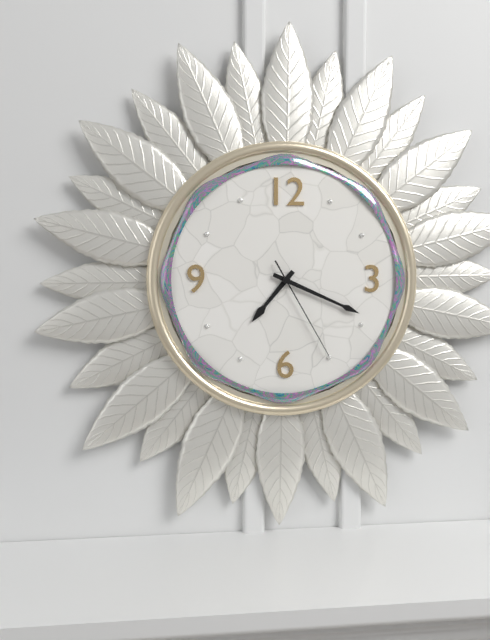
7:19:25
